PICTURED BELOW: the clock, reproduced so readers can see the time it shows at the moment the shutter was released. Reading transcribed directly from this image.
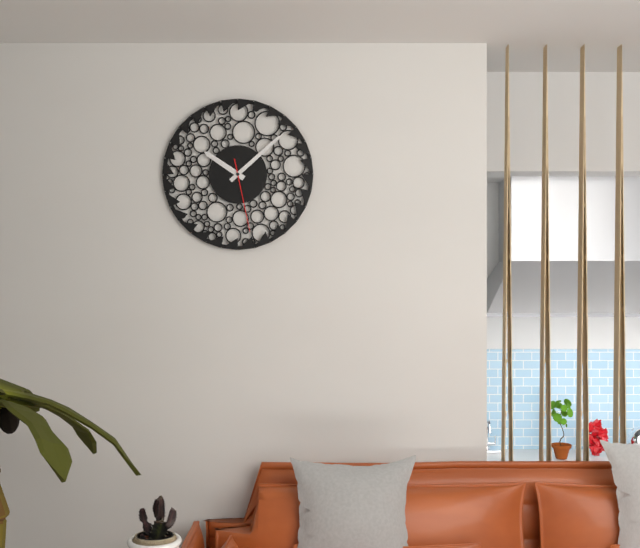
10:08:28
